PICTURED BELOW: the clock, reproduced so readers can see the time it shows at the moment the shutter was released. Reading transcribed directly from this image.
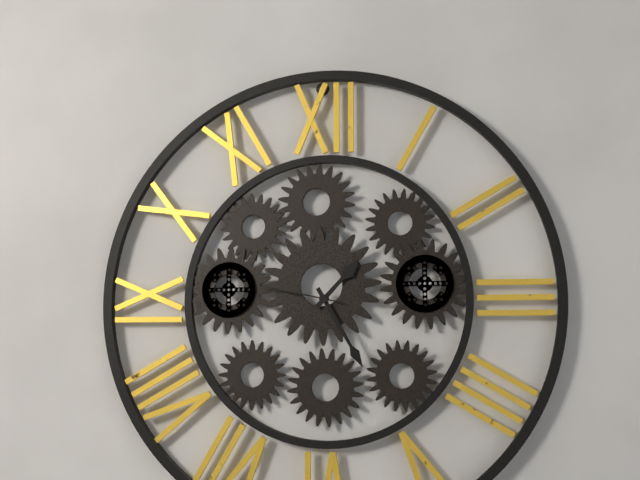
1:25:47
